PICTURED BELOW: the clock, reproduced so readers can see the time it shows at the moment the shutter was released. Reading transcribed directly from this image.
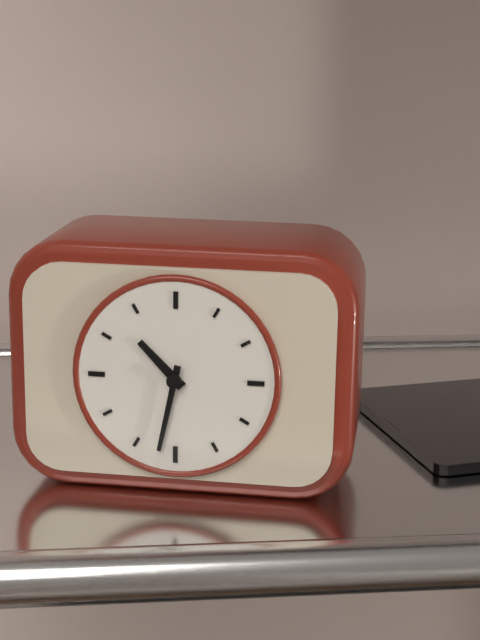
10:32
